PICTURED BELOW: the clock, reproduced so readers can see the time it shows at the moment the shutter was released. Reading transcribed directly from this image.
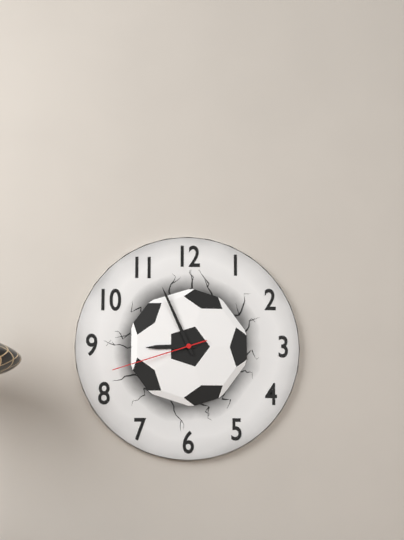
8:56:42
